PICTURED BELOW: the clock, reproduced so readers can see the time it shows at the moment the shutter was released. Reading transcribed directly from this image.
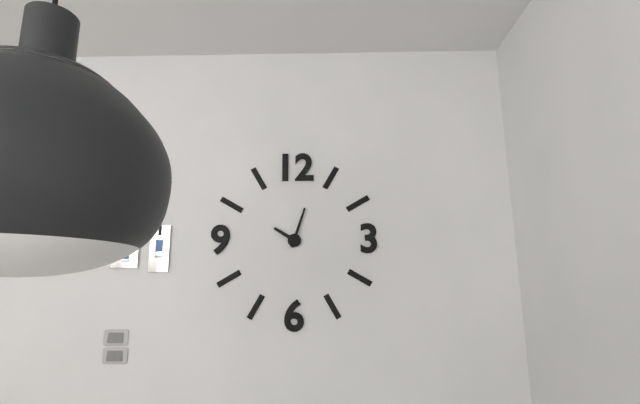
10:03
